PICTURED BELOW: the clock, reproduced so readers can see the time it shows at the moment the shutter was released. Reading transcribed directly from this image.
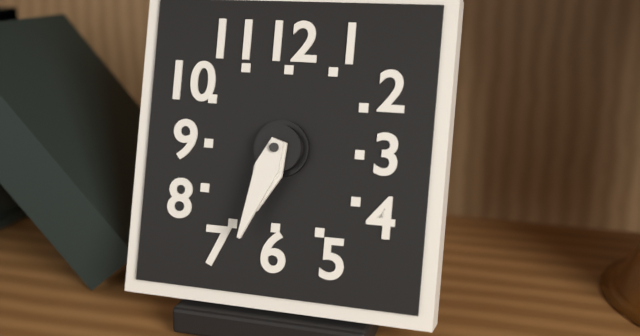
6:33
